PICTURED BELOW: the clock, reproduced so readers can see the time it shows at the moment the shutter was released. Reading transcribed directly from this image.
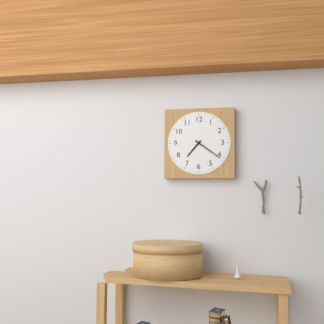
7:21
